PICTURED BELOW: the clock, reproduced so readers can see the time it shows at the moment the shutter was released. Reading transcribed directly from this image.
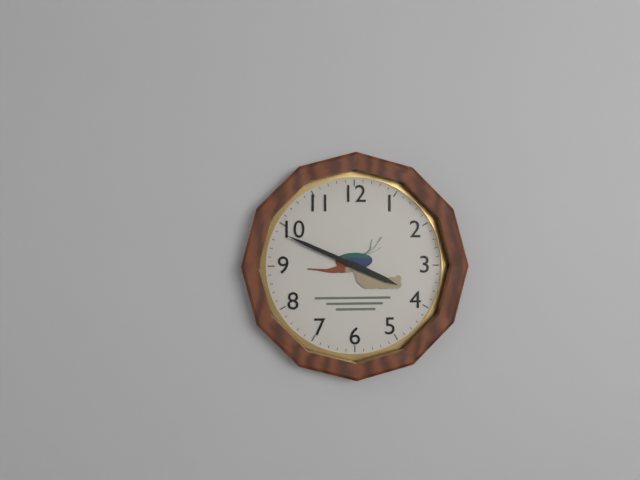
3:49
